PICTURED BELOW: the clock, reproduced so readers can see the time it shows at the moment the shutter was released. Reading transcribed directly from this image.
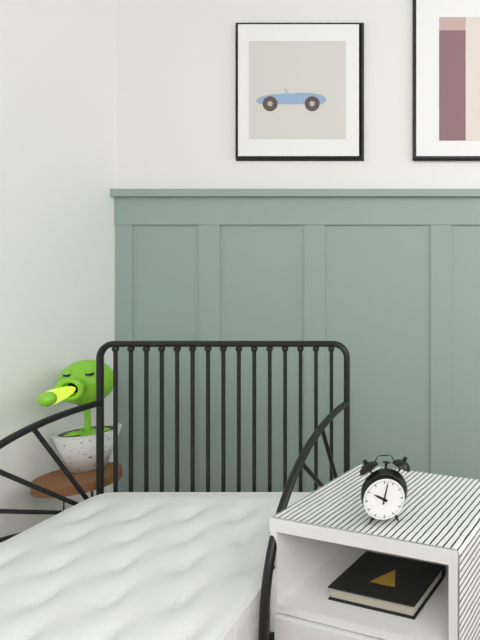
10:02
